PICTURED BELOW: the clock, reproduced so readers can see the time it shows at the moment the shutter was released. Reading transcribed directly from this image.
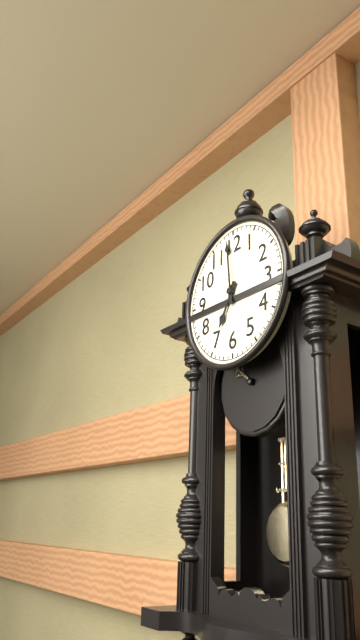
6:59
